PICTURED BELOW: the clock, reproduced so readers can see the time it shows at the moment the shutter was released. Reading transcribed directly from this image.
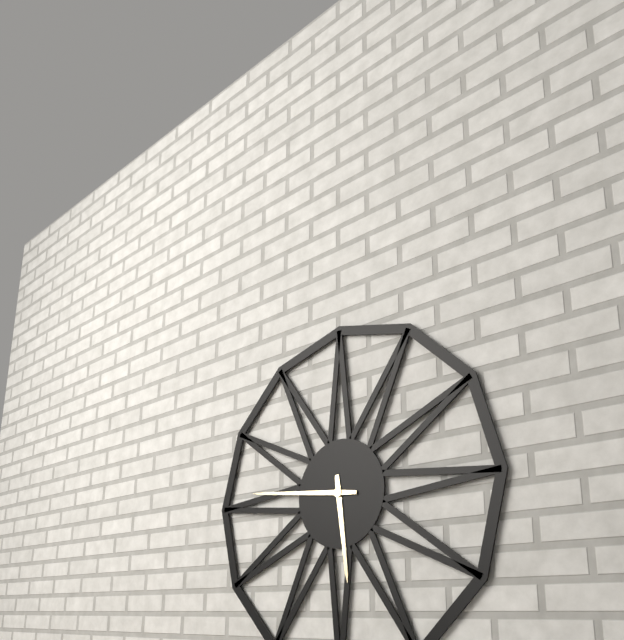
5:46
